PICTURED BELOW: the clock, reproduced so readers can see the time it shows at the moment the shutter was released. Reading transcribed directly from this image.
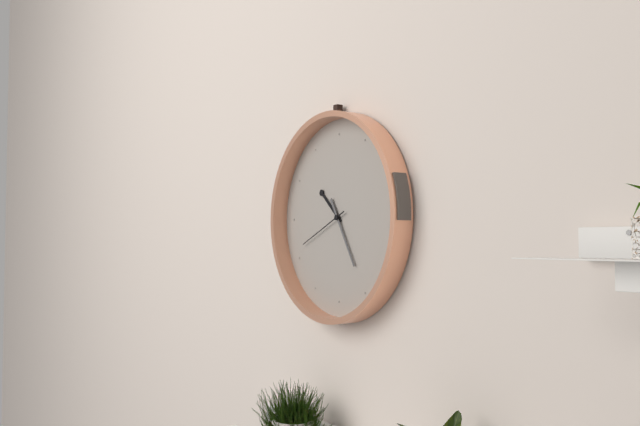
10:25:41
